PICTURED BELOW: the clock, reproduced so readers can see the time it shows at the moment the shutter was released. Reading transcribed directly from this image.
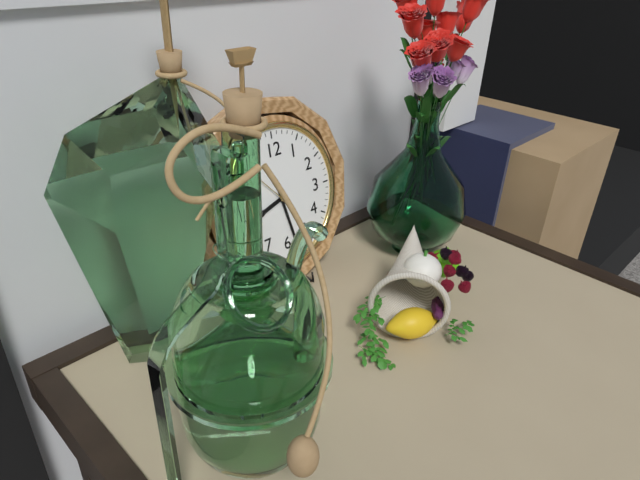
8:28:53
